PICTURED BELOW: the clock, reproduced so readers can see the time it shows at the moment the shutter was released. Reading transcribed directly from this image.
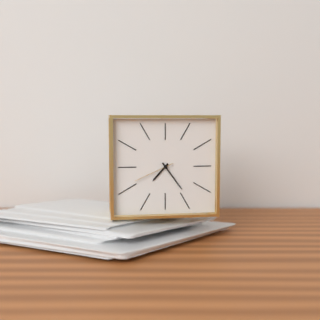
7:24
